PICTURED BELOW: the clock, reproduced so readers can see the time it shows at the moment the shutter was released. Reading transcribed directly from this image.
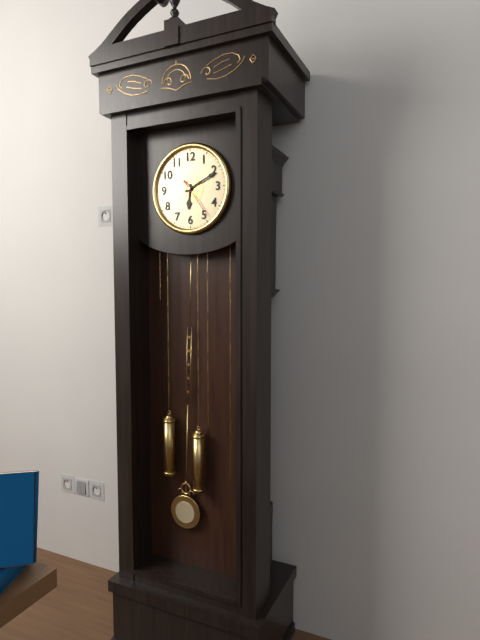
6:11
